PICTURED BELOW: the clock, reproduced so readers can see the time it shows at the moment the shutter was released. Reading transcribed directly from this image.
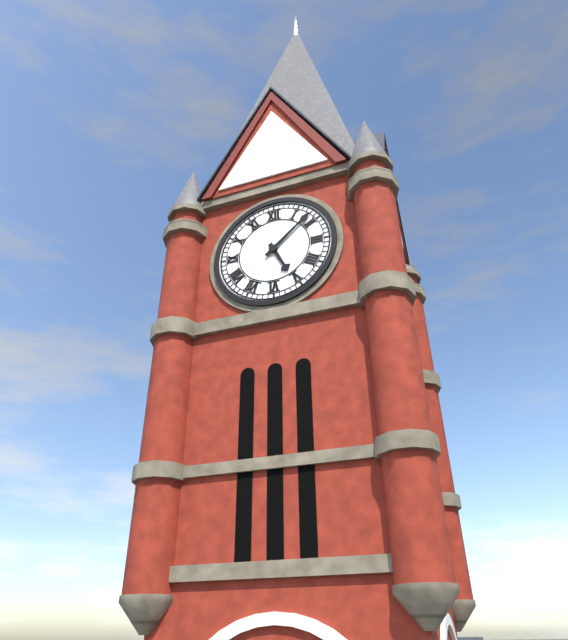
5:08
